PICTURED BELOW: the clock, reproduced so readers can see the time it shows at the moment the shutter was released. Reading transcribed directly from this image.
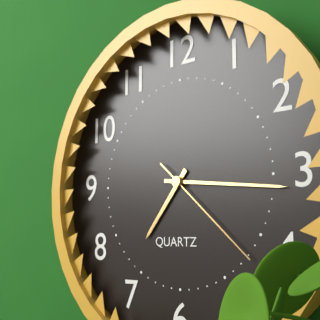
7:16:22
